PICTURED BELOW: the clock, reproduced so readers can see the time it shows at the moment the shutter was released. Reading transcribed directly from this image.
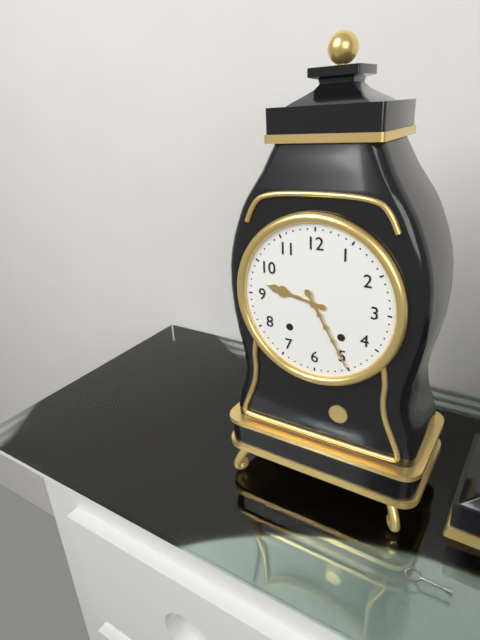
9:25
